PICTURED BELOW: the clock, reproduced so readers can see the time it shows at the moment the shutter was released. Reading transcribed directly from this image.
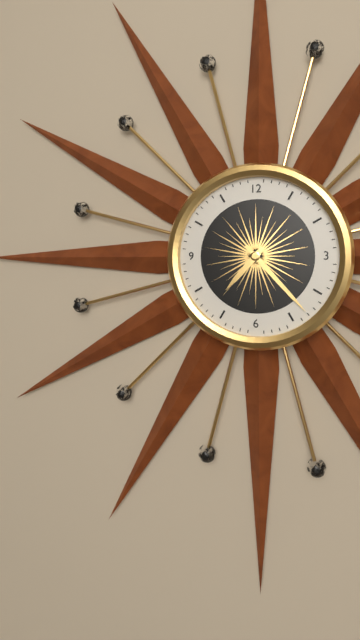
7:23
